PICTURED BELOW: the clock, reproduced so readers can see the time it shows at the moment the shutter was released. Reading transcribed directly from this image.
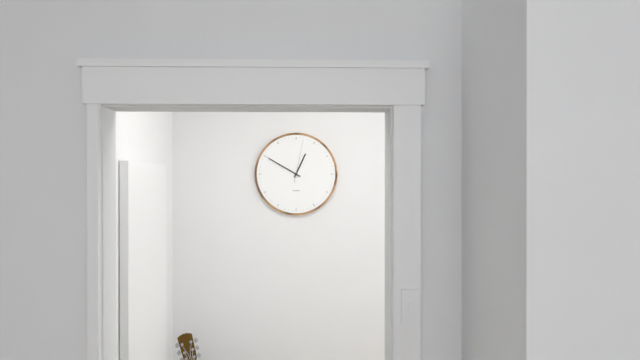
12:50
